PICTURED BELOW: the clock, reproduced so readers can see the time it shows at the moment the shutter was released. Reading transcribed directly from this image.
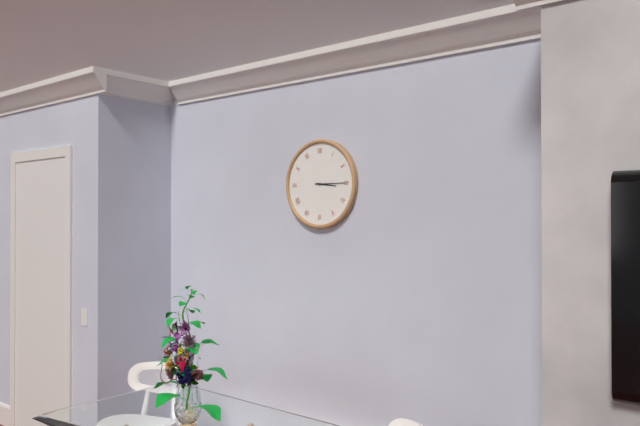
3:15
